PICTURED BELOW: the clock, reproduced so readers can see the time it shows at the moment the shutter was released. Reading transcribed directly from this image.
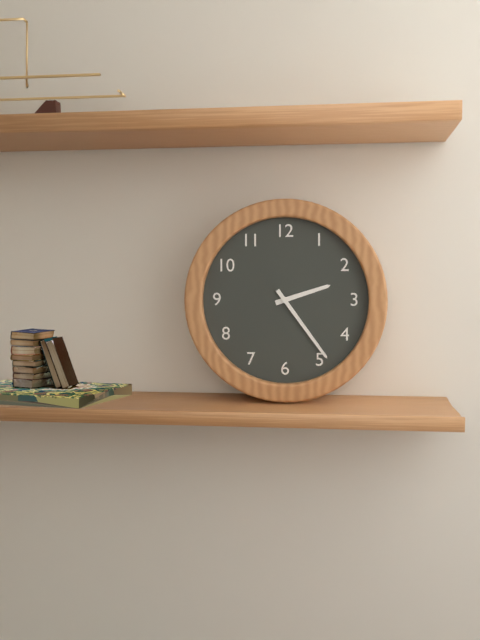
2:24
